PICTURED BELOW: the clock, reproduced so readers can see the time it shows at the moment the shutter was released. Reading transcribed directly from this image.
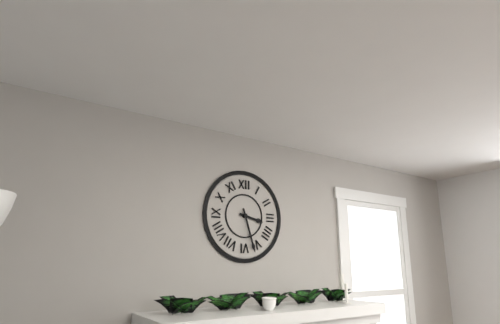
3:27
